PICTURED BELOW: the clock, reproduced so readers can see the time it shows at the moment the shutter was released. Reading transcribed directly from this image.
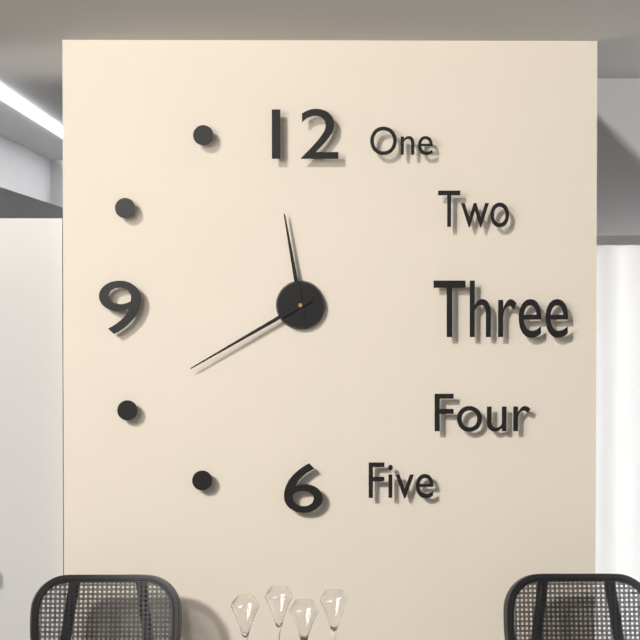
11:40
